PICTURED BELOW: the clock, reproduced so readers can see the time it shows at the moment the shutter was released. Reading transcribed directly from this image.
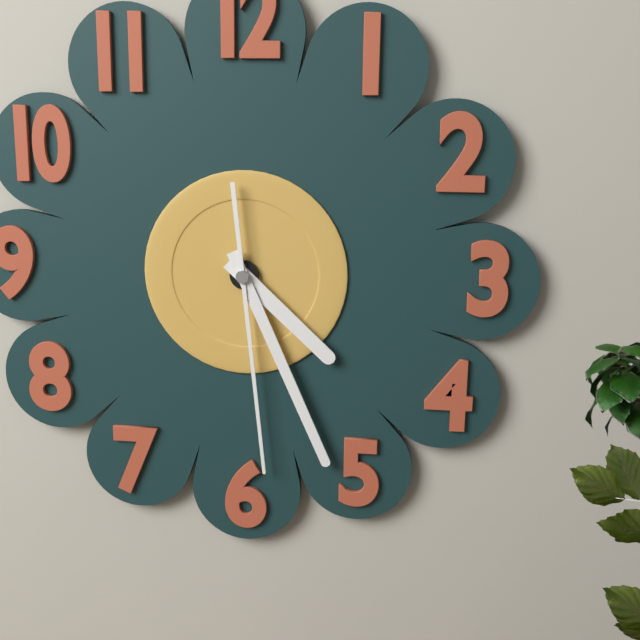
4:26:29
